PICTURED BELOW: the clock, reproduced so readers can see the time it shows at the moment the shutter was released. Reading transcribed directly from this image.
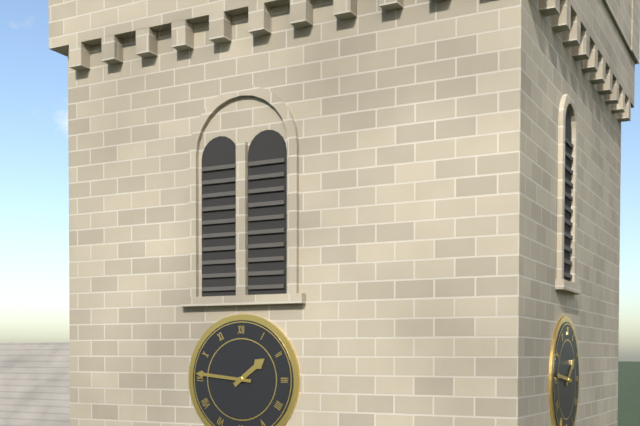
1:46
